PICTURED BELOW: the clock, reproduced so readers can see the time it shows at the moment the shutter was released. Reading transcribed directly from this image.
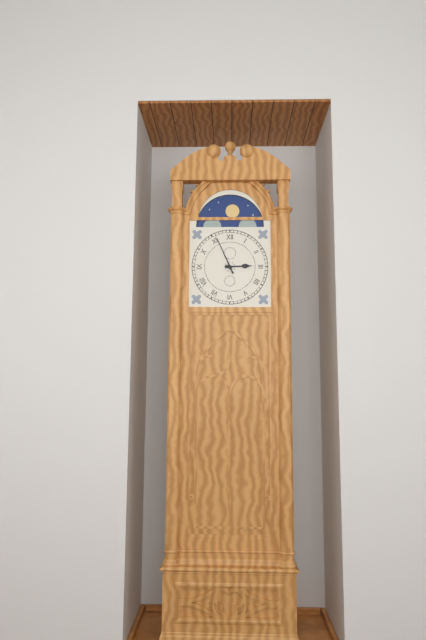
2:56
